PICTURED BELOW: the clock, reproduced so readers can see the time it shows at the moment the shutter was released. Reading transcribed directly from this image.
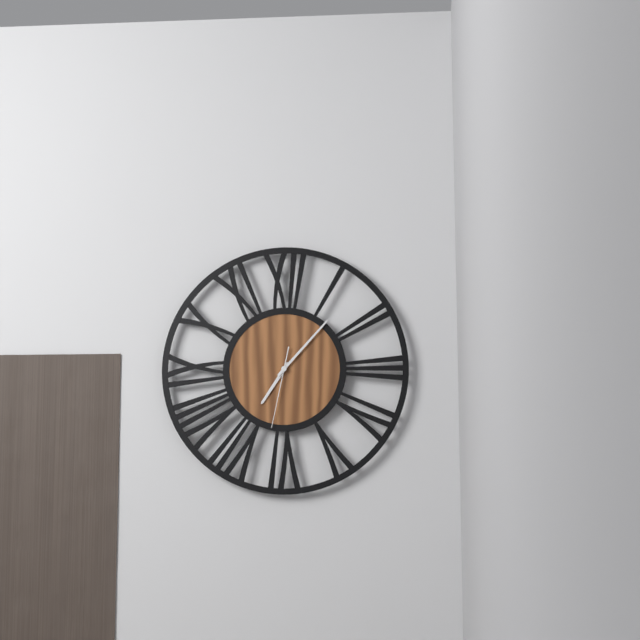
7:07:32
